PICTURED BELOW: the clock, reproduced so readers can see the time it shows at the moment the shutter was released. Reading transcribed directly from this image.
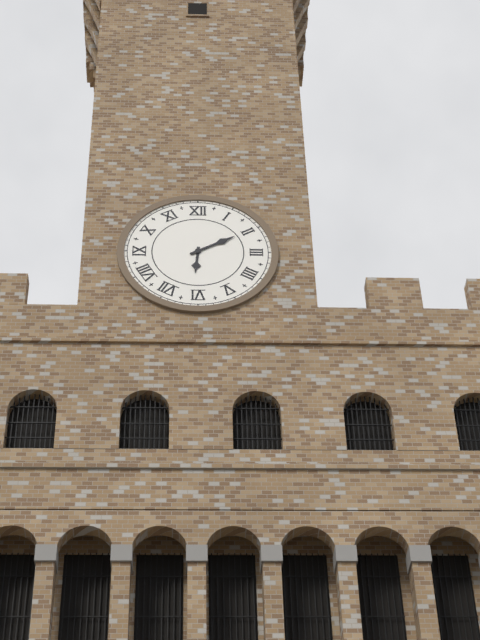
6:10
